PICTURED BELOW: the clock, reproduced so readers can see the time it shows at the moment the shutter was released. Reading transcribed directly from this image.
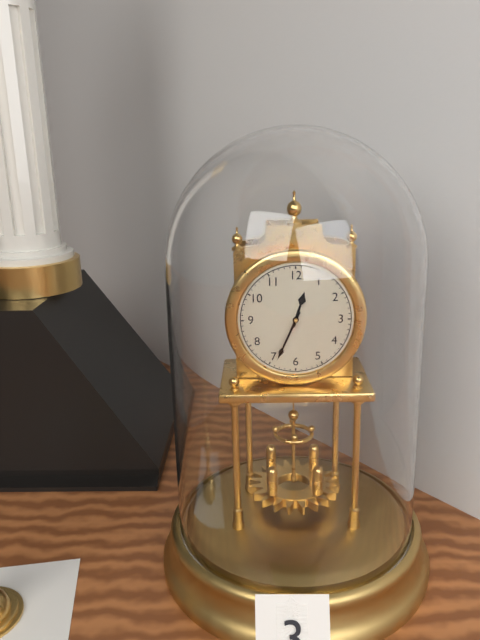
12:34
